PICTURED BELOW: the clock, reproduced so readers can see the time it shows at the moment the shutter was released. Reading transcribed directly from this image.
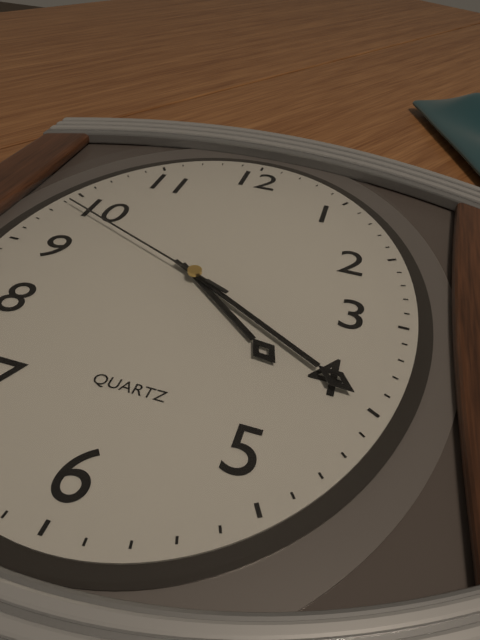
4:20:49
